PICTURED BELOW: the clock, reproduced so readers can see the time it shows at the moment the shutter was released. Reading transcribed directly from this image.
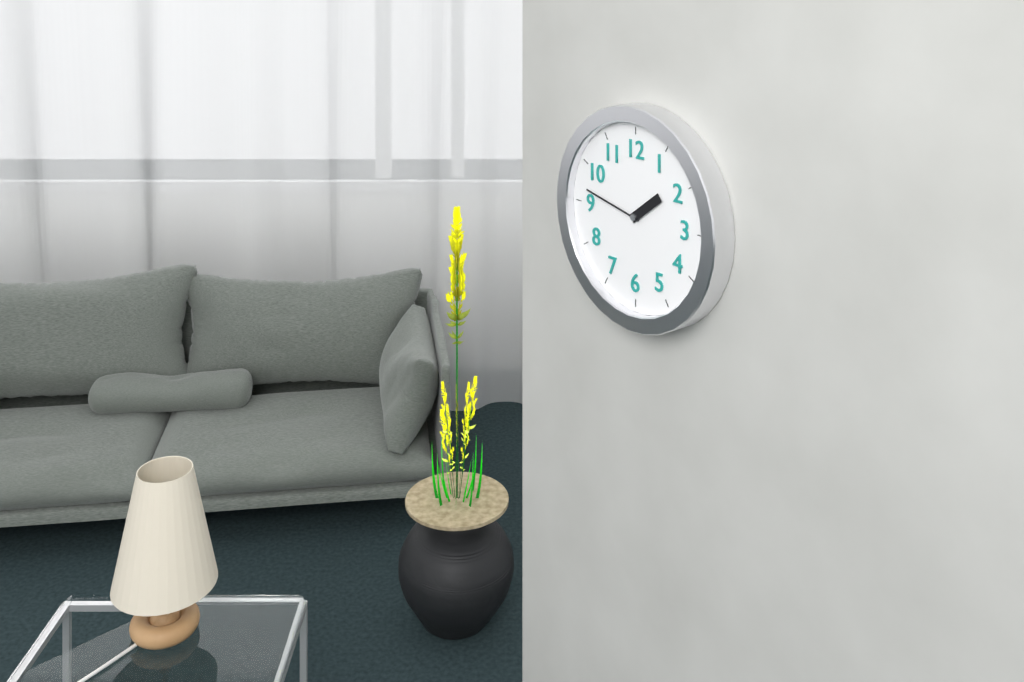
1:47
